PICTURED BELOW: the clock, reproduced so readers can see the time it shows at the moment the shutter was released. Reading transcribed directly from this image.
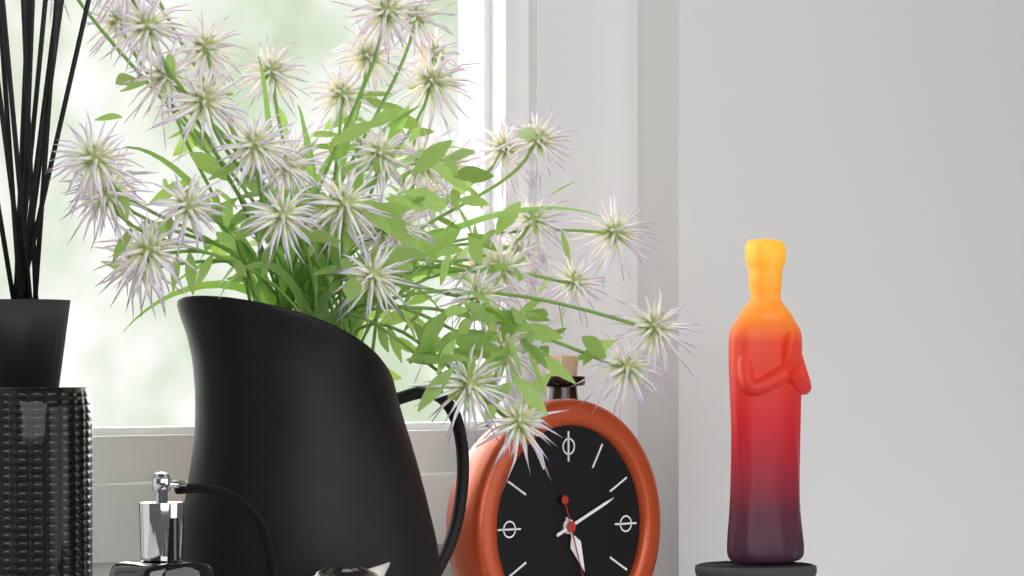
5:11
